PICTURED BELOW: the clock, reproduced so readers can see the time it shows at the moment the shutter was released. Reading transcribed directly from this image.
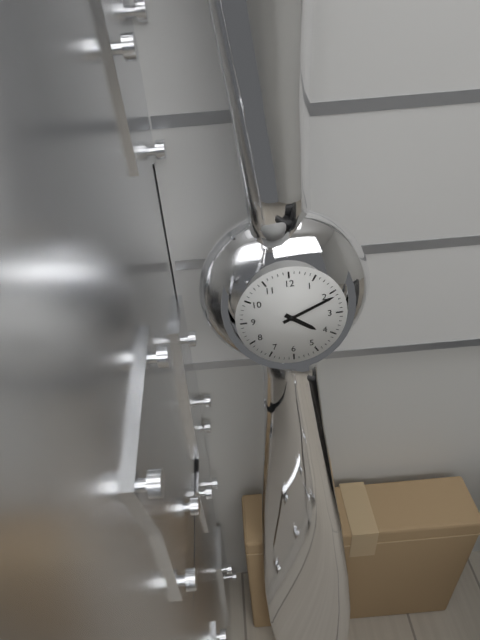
4:11
